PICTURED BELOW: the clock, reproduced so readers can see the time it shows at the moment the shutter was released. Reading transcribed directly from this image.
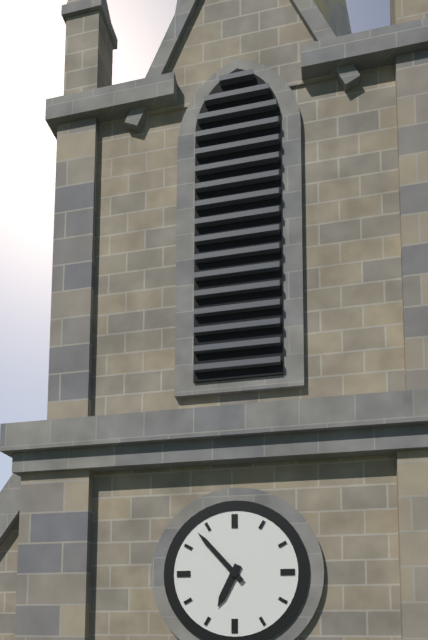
6:53
